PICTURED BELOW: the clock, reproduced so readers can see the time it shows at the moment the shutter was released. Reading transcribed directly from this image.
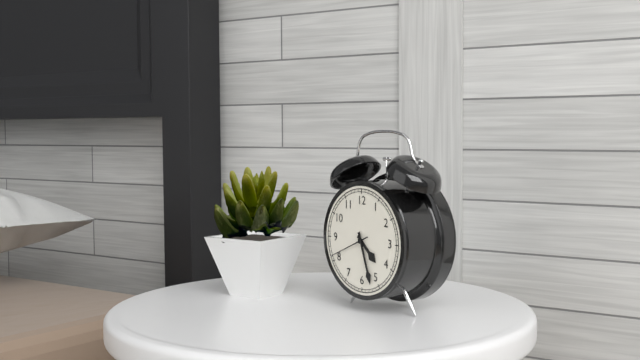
4:27
